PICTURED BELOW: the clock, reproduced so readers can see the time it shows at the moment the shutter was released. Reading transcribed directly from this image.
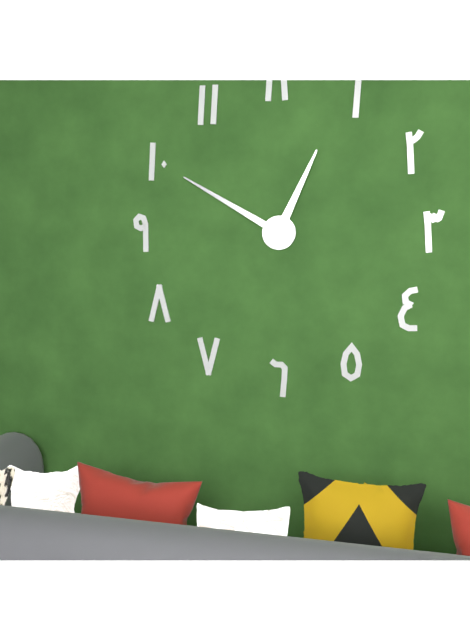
12:50
